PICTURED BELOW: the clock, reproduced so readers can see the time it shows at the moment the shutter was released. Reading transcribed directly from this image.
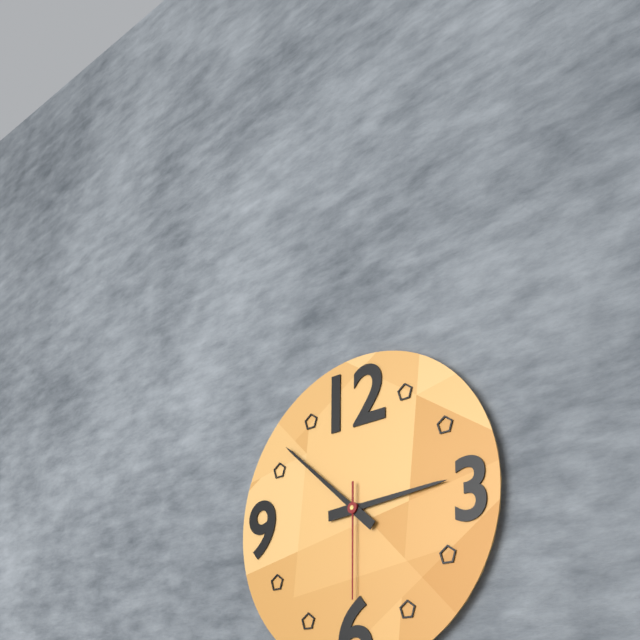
2:52:30
